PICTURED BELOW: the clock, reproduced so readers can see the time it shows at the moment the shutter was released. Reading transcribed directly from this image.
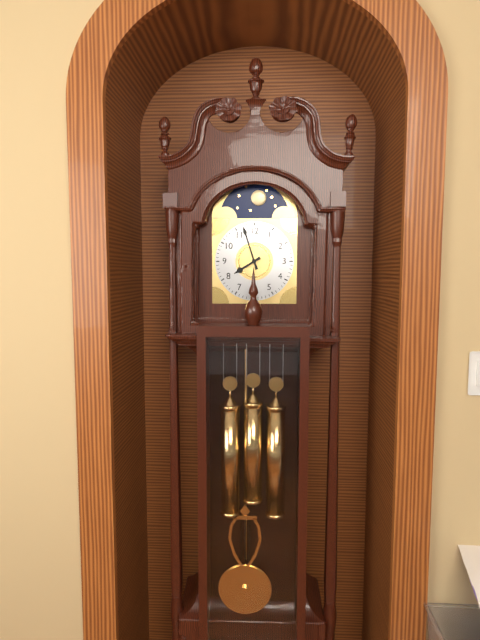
7:57
